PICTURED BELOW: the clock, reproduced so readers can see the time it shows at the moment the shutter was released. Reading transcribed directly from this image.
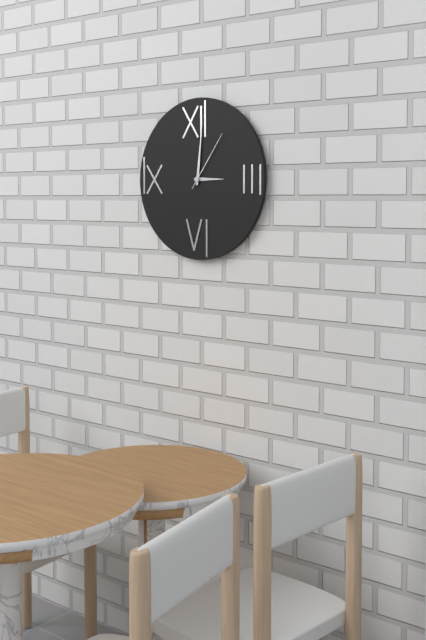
3:01:06
